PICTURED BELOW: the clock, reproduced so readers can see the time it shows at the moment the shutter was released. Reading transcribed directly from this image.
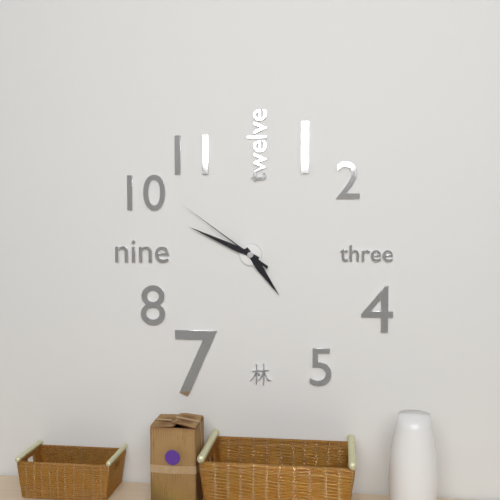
4:49:51
